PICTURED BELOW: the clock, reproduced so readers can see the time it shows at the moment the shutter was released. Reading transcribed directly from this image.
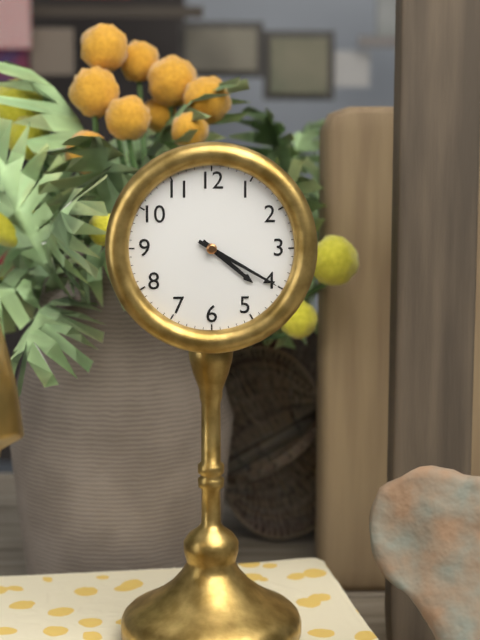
4:20
